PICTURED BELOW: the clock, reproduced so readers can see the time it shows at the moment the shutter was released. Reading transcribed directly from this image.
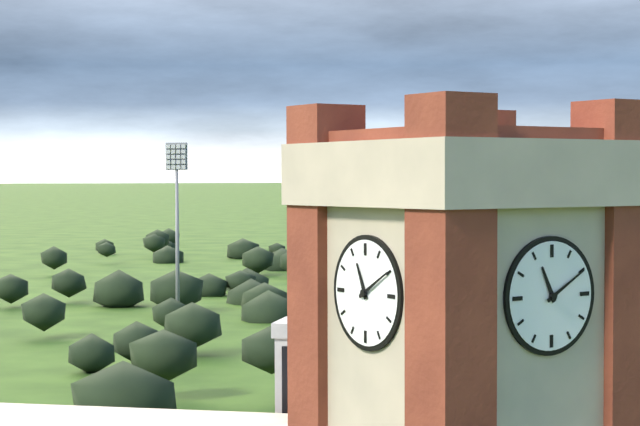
11:10
